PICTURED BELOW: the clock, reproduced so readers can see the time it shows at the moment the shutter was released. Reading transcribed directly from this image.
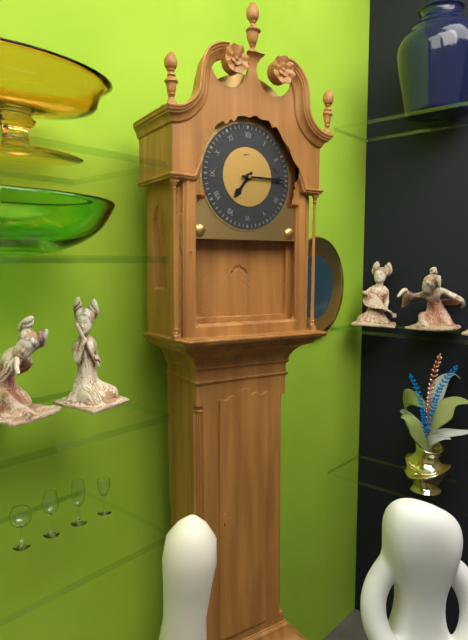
7:15
